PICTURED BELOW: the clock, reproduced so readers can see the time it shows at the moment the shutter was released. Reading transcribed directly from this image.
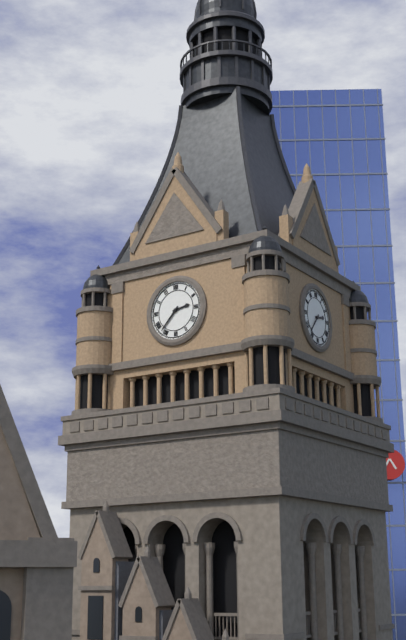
2:37
